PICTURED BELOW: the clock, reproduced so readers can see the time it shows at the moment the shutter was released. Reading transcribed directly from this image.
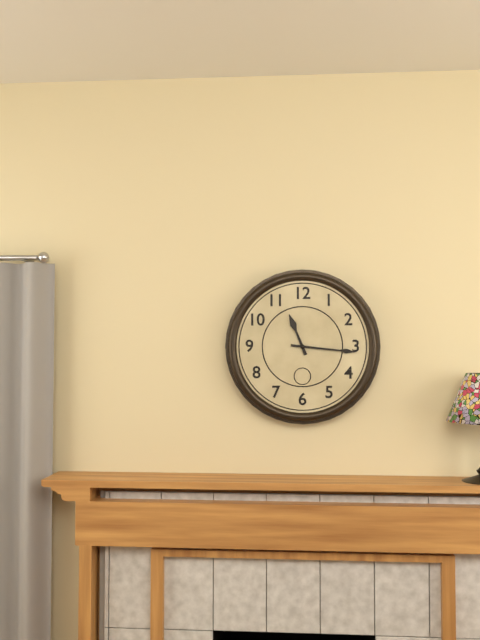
11:16
